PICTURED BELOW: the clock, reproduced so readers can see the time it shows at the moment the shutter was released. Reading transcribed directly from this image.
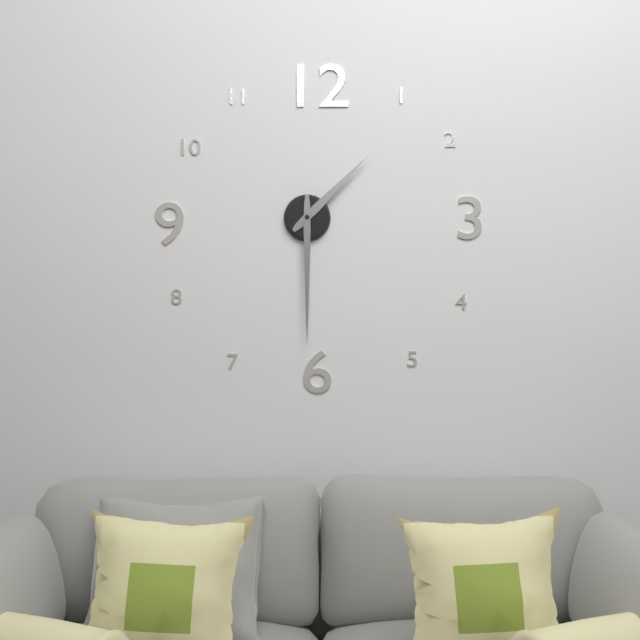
1:30
